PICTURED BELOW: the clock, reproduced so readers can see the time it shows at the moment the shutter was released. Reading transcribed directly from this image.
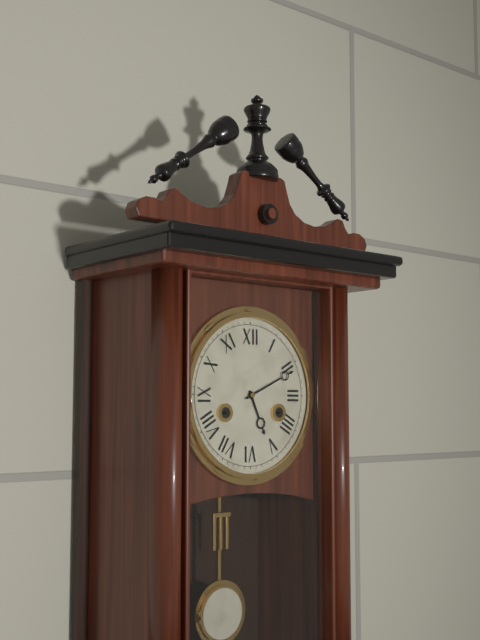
5:11
